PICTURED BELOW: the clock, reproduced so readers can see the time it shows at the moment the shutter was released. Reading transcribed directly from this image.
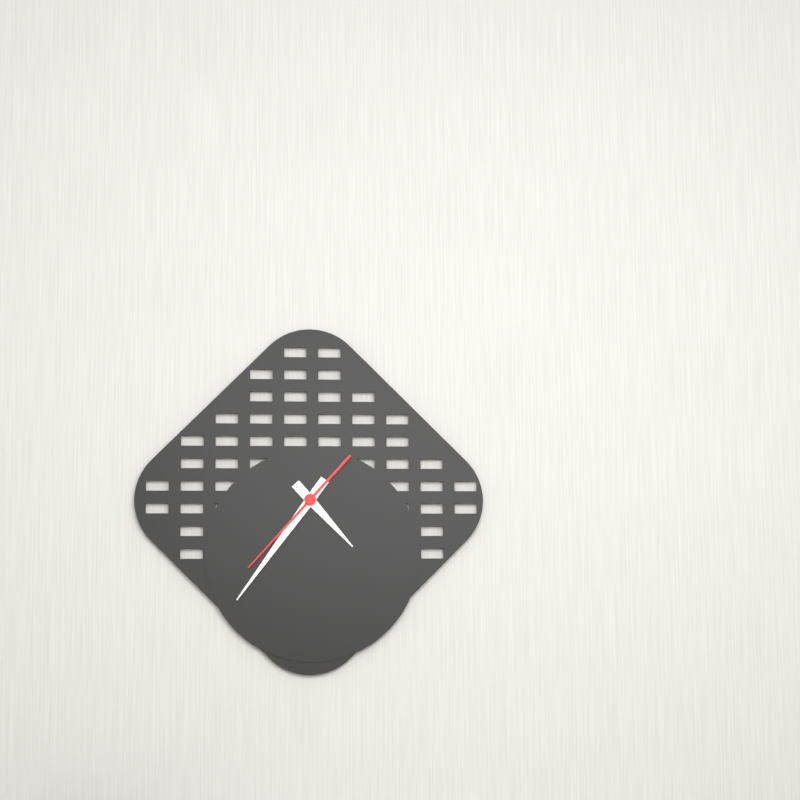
4:36:37
